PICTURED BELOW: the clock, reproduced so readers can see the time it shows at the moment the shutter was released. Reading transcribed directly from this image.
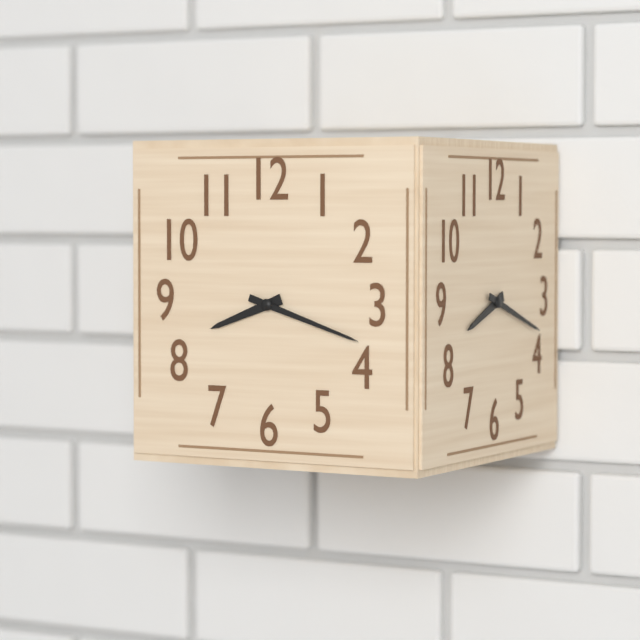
8:18
